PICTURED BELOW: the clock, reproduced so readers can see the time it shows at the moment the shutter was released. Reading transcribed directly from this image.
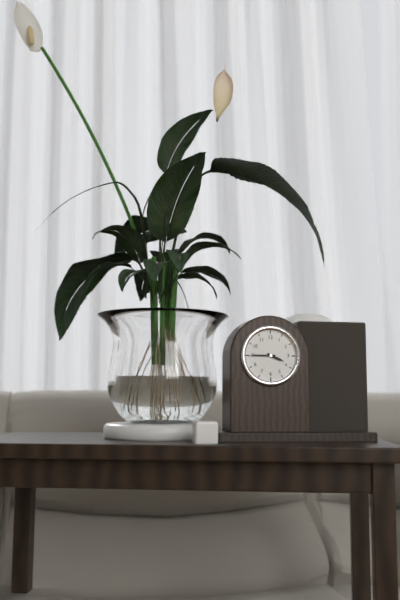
3:45
